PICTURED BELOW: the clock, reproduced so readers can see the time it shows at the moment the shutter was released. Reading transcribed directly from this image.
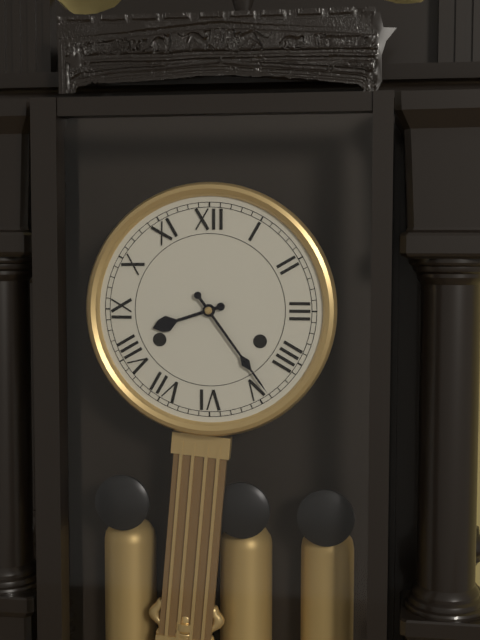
8:24
